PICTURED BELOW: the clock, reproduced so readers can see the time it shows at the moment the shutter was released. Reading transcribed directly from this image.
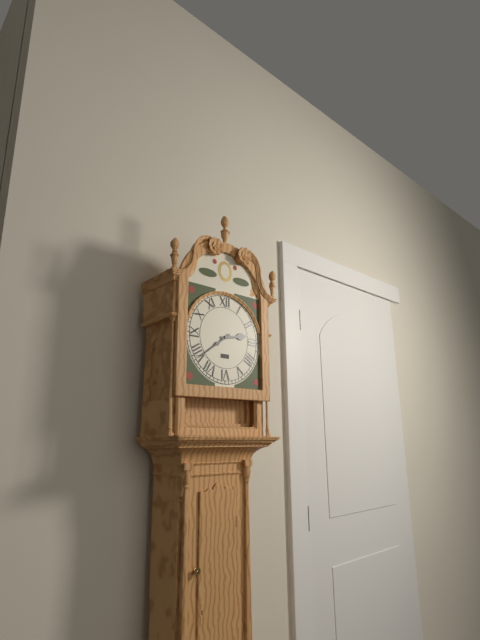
2:39
